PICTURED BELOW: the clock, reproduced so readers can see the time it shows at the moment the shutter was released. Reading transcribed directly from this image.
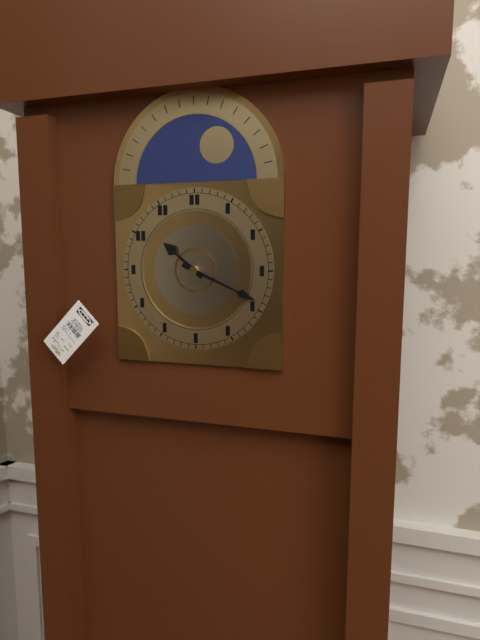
10:19
